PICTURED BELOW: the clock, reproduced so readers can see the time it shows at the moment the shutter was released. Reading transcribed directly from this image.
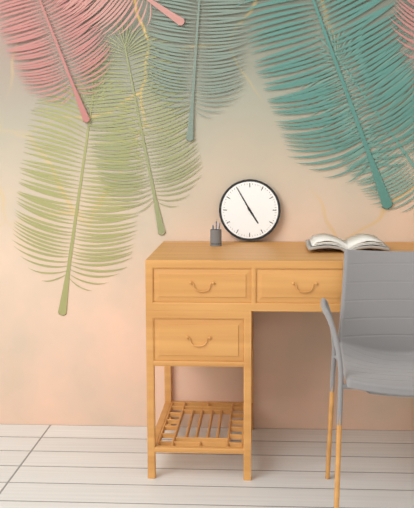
4:55
